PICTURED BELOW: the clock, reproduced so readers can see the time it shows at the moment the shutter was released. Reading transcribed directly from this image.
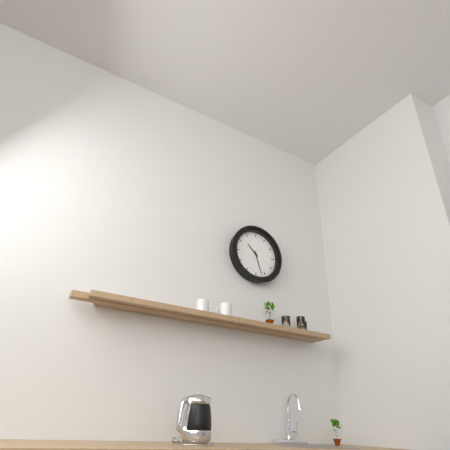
10:27
